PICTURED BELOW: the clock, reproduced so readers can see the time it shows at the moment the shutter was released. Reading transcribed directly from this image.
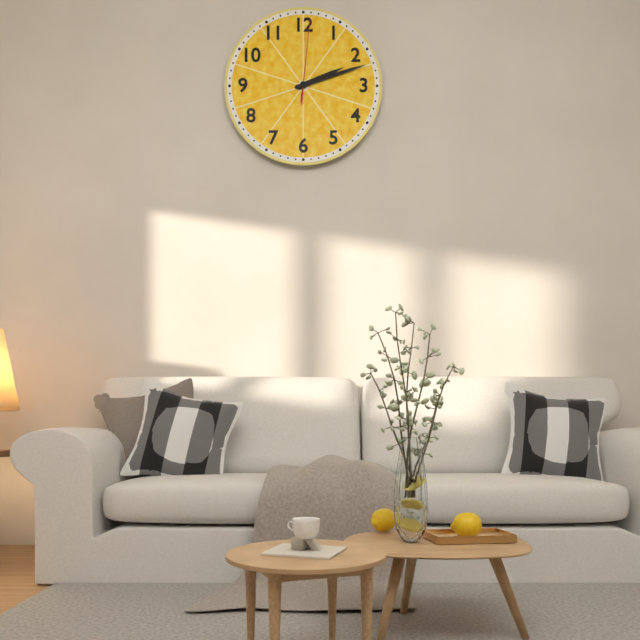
2:12:01
